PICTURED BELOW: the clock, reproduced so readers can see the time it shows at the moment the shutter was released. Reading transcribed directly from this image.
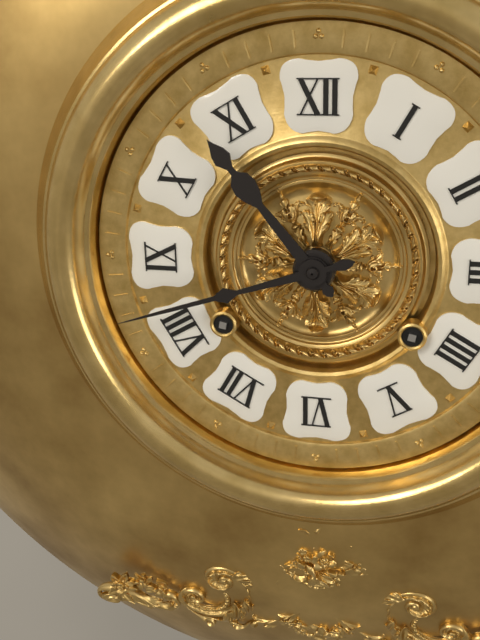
10:42
